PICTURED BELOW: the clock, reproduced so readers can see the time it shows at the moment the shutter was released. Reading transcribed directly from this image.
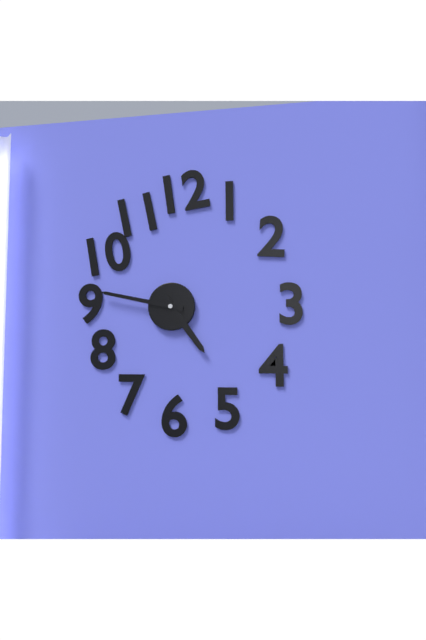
4:47
